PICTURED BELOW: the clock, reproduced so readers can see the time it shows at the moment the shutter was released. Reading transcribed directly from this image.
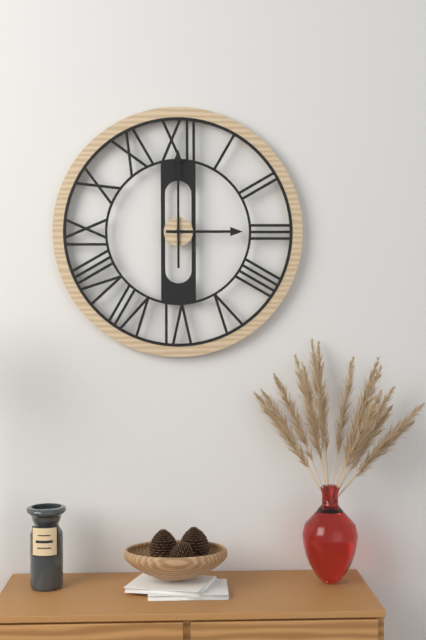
3:00
